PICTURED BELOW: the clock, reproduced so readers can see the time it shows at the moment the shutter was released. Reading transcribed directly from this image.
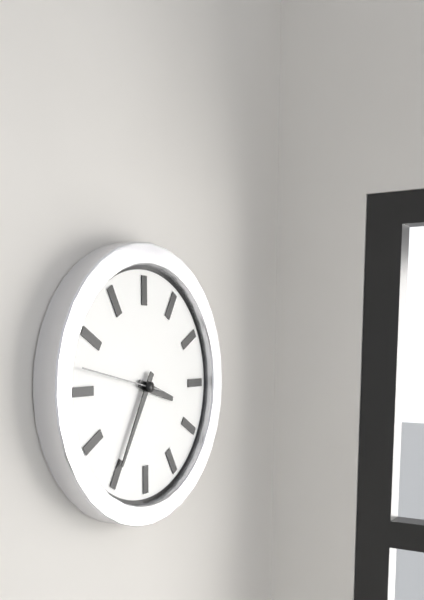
3:35:47
